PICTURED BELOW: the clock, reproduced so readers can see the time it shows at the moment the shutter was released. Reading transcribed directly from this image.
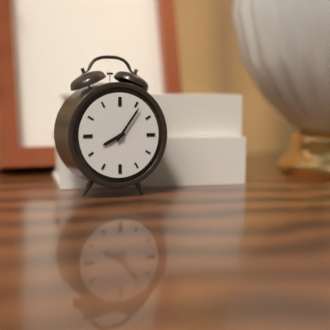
8:06
